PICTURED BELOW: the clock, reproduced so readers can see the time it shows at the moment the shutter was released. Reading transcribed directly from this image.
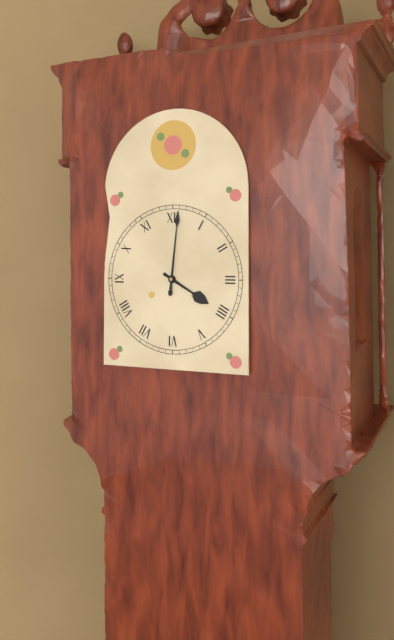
4:01
